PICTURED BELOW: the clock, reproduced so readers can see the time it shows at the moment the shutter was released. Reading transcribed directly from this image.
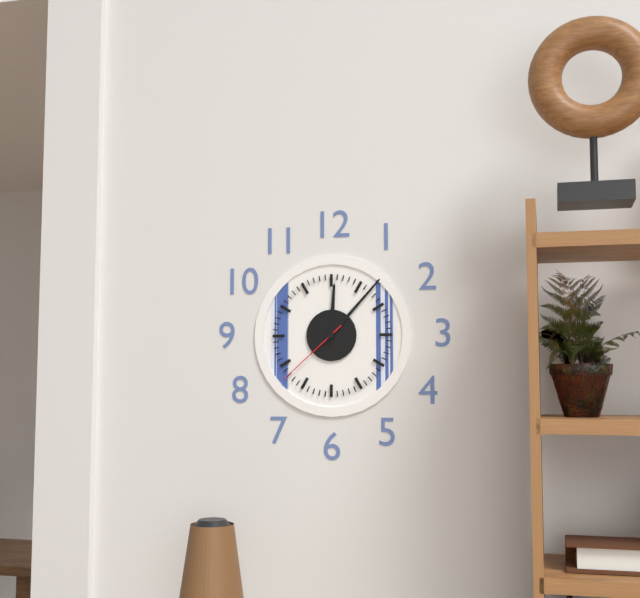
12:07:38
